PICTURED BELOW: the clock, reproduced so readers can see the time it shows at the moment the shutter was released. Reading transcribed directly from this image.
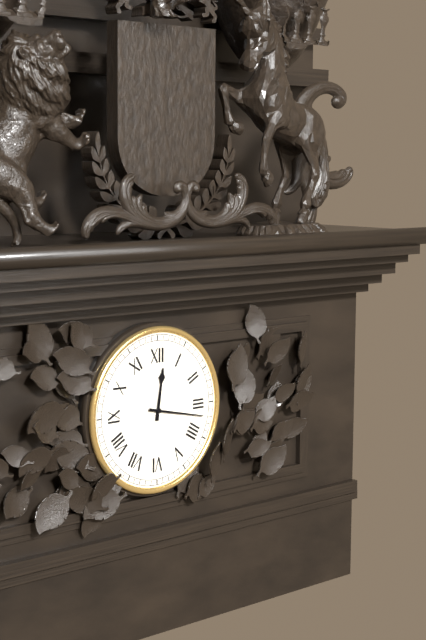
12:17
